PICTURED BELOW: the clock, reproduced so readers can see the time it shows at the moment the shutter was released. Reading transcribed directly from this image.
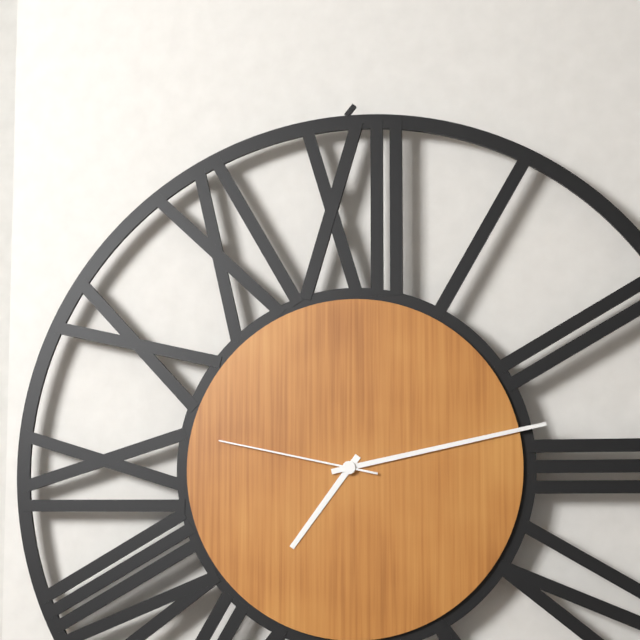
7:13:47
